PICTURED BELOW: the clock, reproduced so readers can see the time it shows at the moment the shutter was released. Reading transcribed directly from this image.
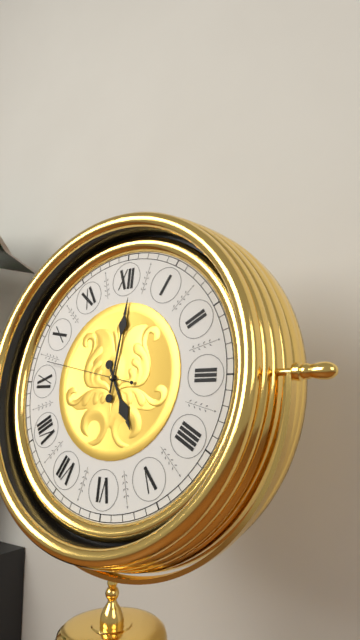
5:01:47
